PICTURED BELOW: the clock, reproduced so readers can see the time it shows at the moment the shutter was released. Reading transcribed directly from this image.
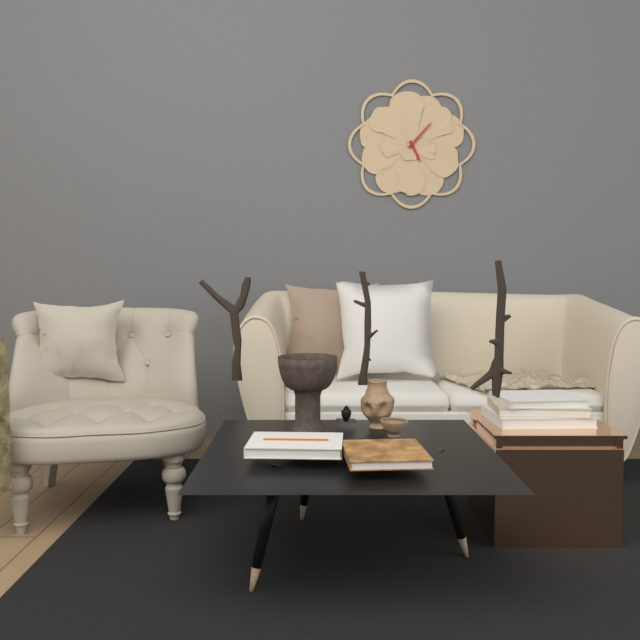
5:07
